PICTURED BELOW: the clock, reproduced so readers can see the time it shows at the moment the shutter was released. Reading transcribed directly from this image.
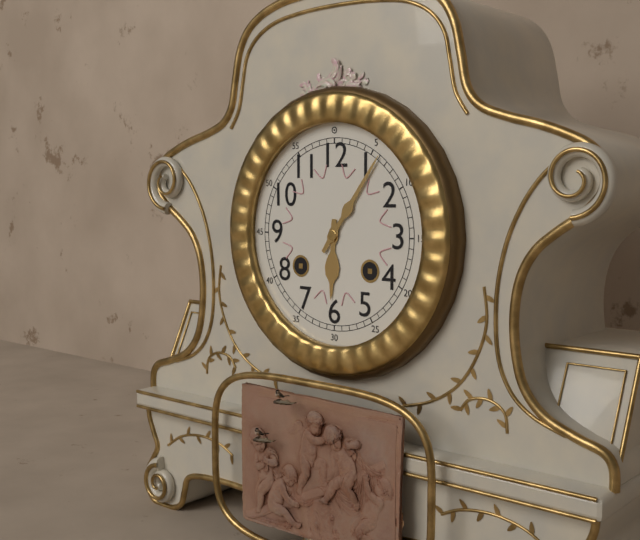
6:06
